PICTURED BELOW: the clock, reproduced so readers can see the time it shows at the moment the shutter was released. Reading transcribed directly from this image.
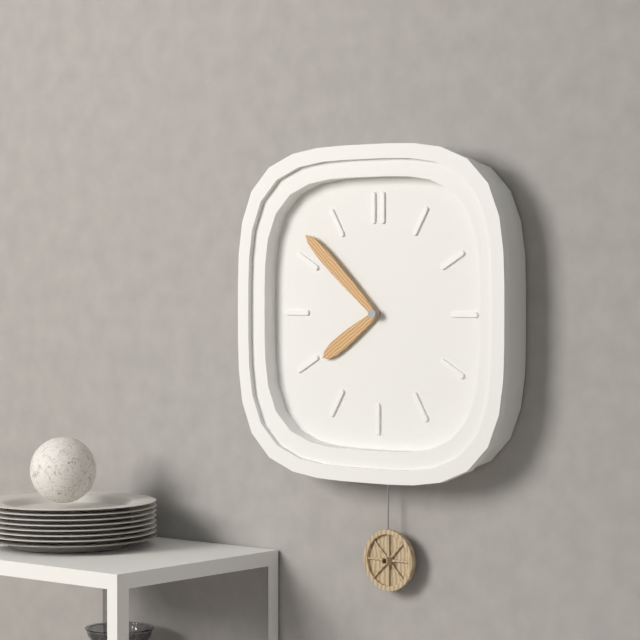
7:52
